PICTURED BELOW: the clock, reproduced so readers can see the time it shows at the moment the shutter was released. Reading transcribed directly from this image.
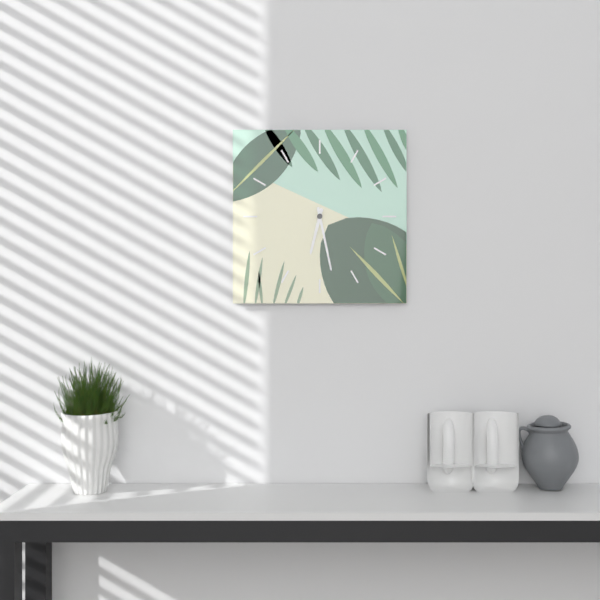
6:28
